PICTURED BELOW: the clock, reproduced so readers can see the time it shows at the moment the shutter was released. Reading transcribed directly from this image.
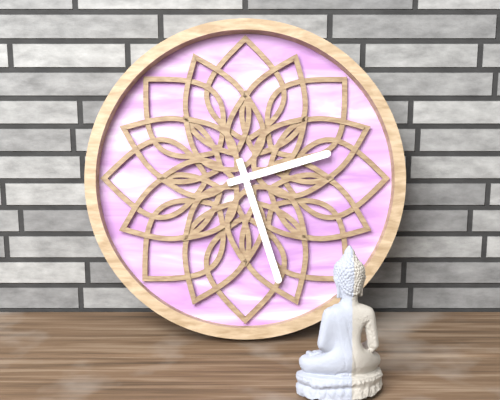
2:27
